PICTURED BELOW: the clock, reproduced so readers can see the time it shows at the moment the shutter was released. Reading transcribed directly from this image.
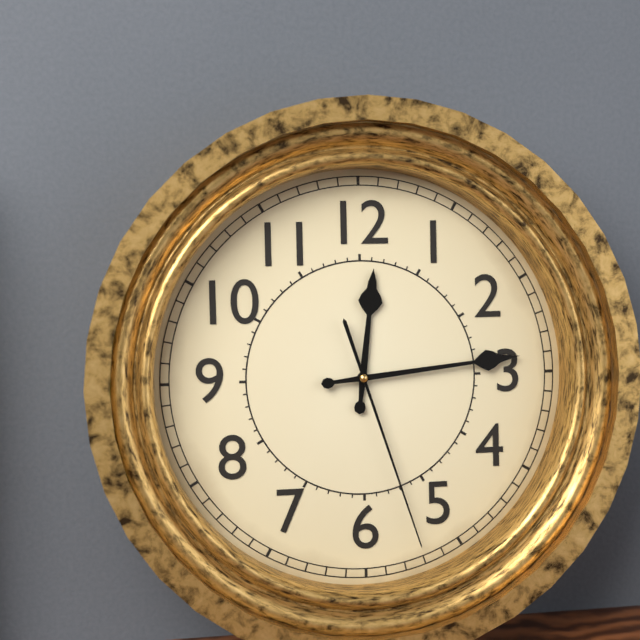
12:14:27
